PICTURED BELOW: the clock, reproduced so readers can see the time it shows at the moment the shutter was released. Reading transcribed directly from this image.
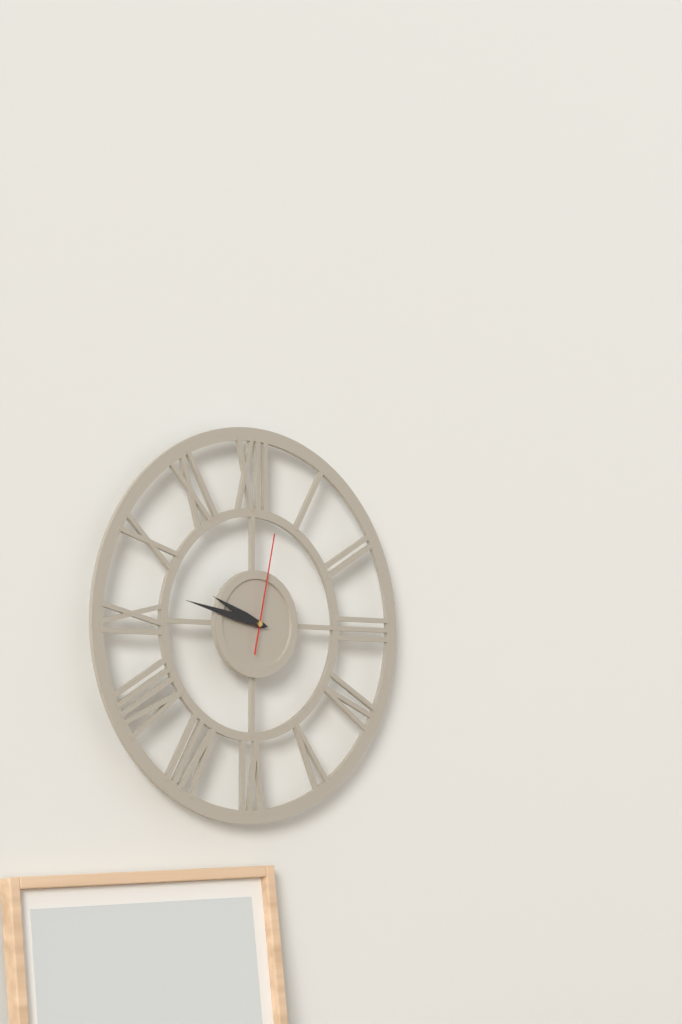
9:47:02
